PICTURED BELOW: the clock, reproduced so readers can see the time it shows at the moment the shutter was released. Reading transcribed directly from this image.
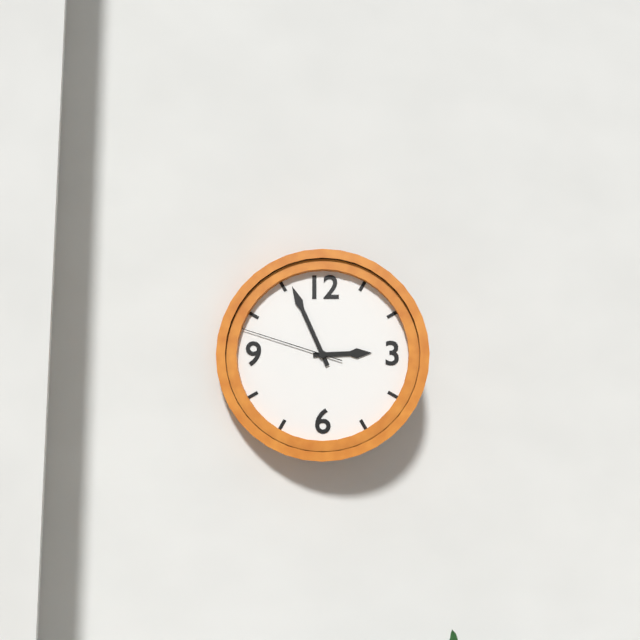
2:56:48
